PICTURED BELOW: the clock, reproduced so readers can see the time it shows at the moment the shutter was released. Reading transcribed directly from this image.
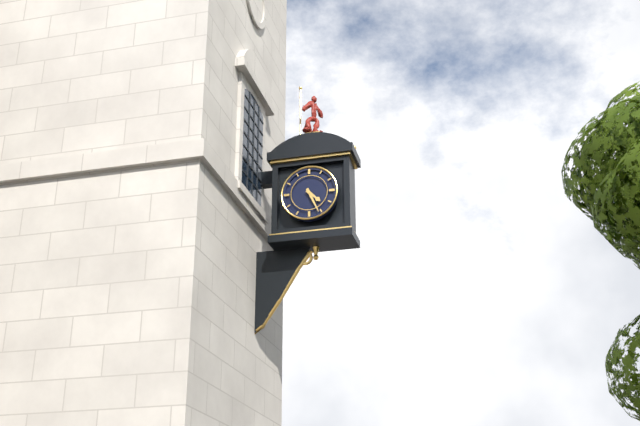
4:26
